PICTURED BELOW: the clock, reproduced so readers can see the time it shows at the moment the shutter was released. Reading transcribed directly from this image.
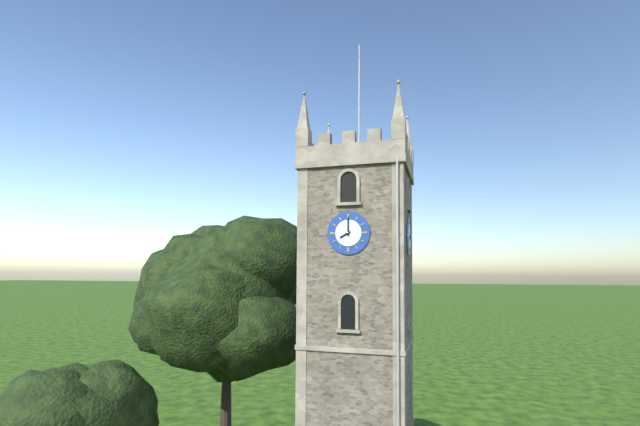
8:00
